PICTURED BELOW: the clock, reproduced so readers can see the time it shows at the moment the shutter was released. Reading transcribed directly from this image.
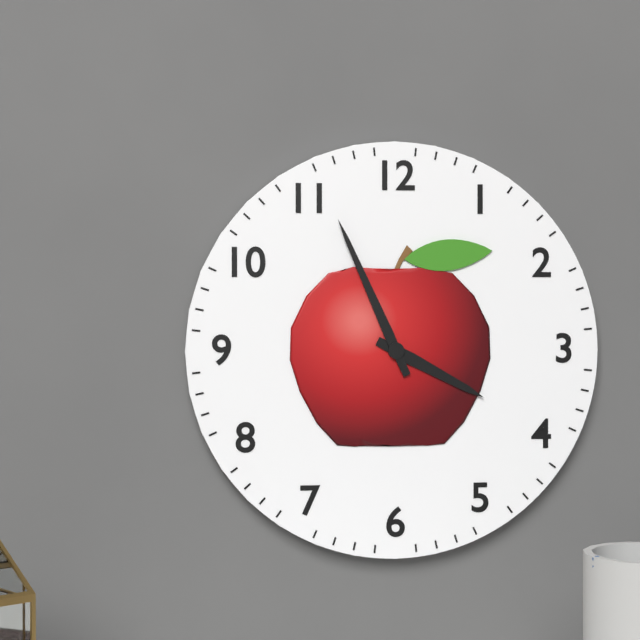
3:56
